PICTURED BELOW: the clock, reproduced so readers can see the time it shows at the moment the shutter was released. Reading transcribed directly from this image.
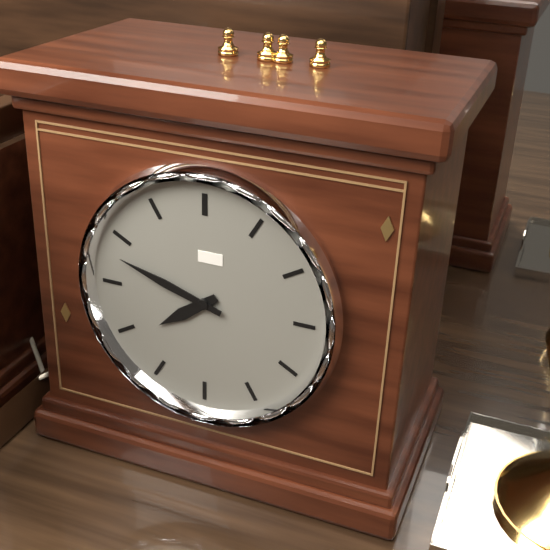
7:48
